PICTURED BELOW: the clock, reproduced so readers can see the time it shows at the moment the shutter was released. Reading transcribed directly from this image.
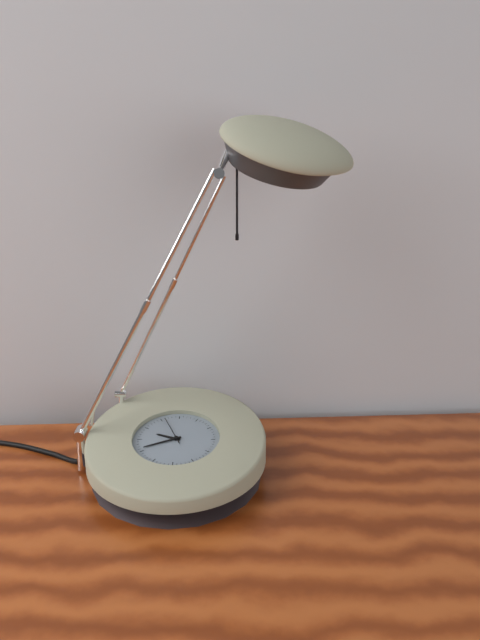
9:41
